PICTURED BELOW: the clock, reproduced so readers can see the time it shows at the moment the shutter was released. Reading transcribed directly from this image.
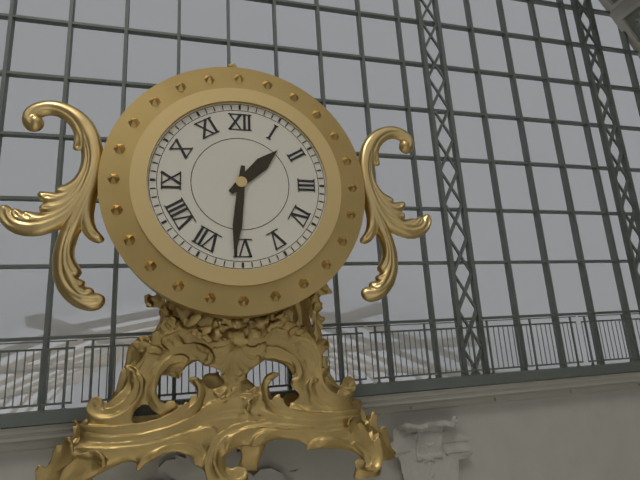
1:31
